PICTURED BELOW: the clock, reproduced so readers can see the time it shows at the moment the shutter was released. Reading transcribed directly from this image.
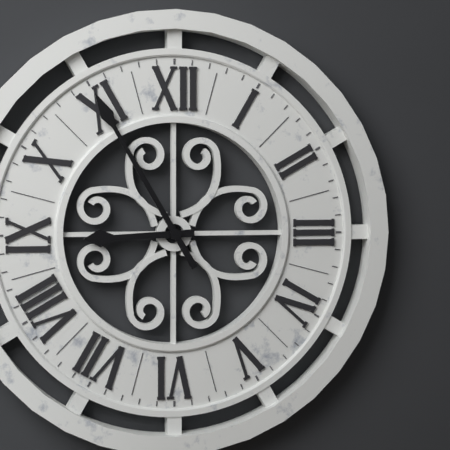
8:55
